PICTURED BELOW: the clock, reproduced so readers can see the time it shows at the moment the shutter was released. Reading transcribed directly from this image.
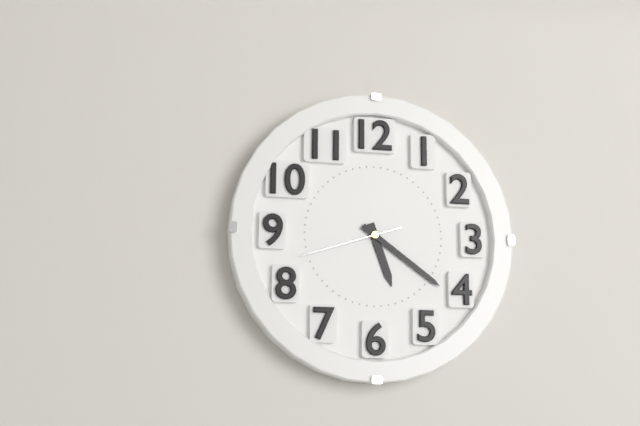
5:21:42
